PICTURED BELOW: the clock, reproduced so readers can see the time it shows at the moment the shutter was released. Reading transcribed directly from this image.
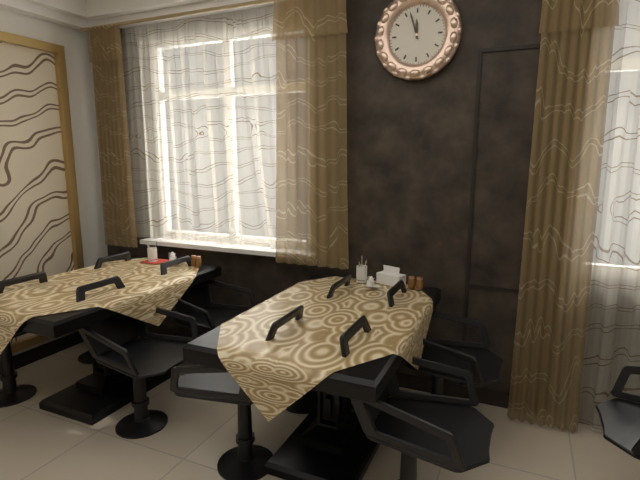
11:57
